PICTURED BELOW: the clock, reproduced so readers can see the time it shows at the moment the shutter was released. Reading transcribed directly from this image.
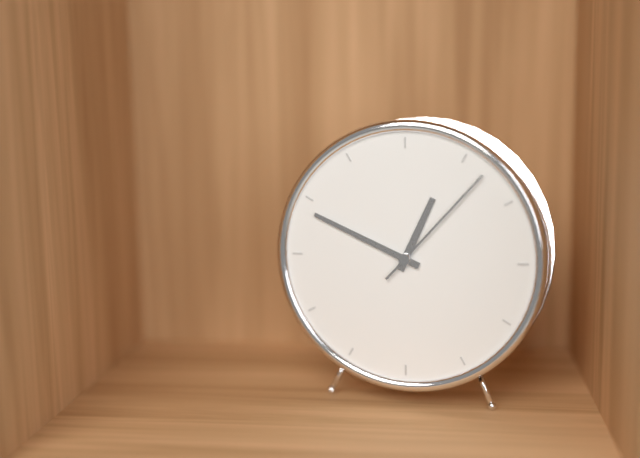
12:49:07
